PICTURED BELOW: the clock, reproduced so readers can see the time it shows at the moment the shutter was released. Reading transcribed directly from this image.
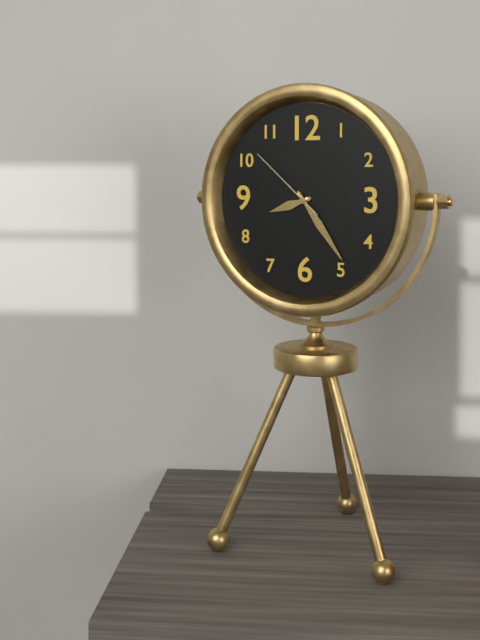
8:24:52
